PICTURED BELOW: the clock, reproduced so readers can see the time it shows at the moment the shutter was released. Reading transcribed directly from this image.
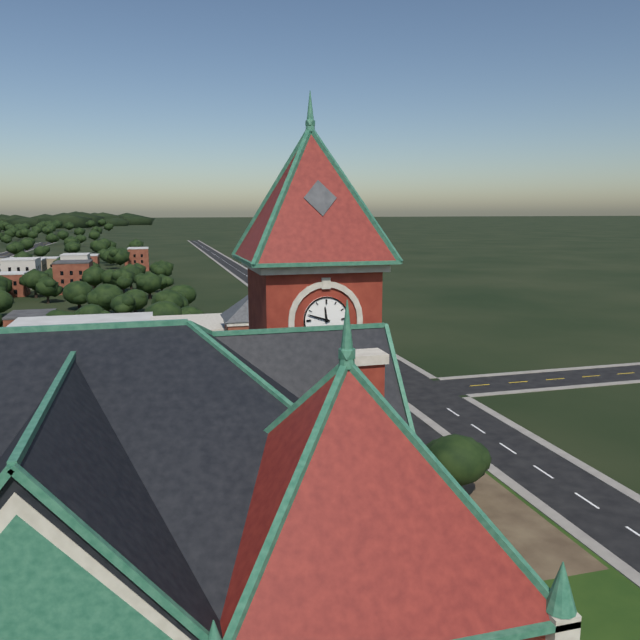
11:48
